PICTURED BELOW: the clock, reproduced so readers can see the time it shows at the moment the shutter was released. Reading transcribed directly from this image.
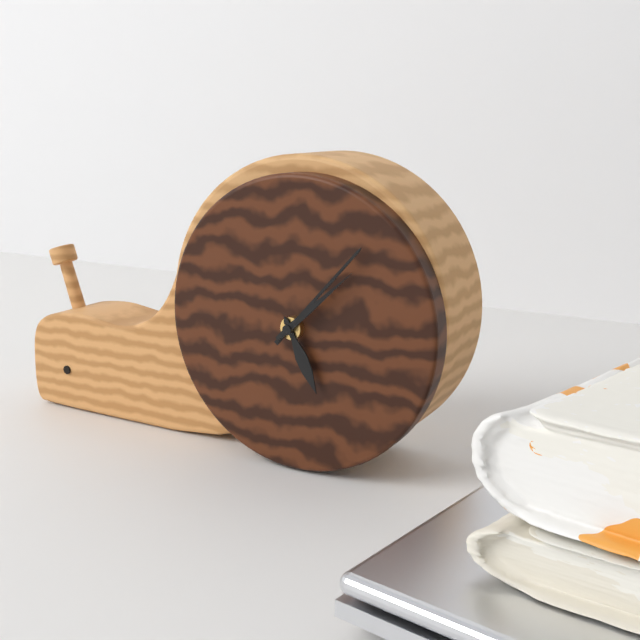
5:07:08
